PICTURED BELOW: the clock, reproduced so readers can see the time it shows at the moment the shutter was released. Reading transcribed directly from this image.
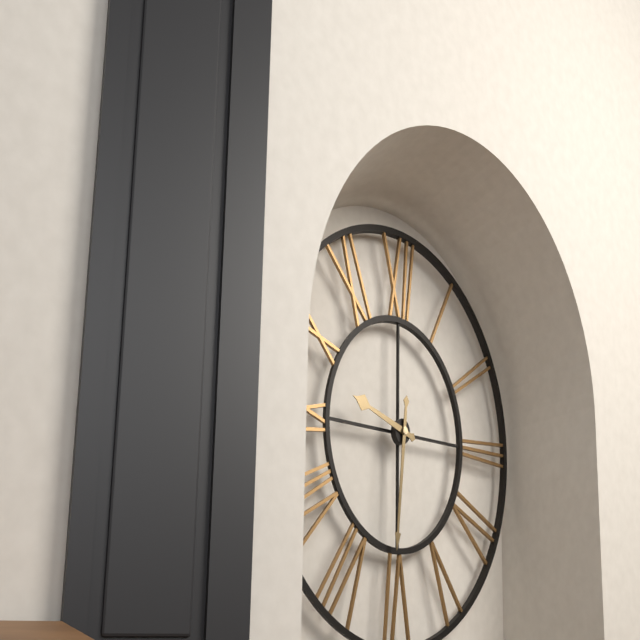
9:31
